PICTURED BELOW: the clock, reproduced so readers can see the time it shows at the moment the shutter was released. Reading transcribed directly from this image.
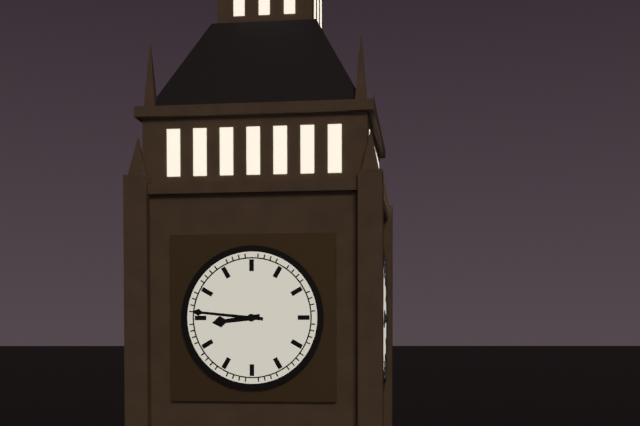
8:46
